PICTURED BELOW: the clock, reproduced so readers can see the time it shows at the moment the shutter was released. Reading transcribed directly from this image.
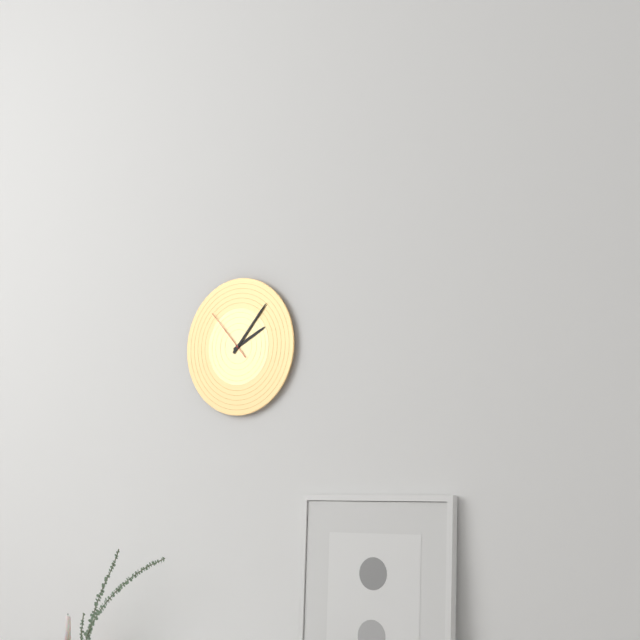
2:07:53
